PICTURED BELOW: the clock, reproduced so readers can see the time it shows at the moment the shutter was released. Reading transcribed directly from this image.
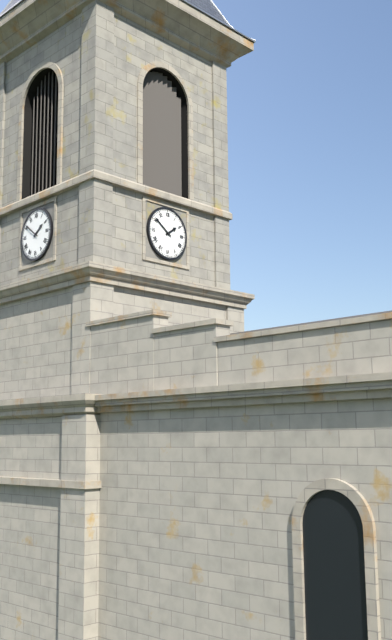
1:51
